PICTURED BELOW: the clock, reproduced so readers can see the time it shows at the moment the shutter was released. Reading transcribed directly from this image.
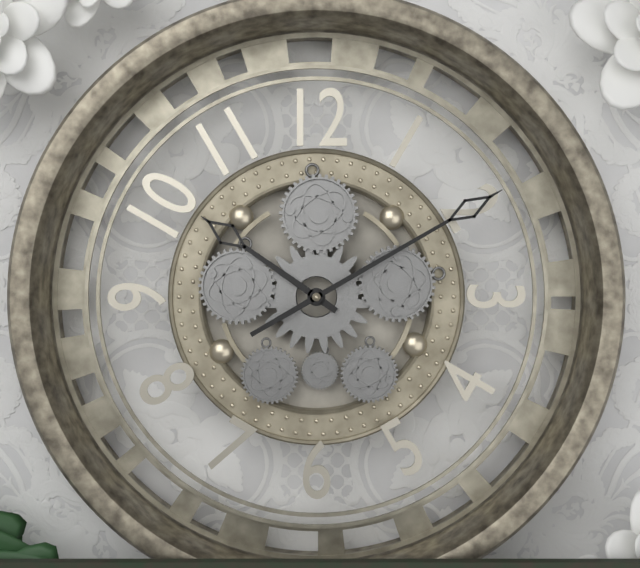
10:10
